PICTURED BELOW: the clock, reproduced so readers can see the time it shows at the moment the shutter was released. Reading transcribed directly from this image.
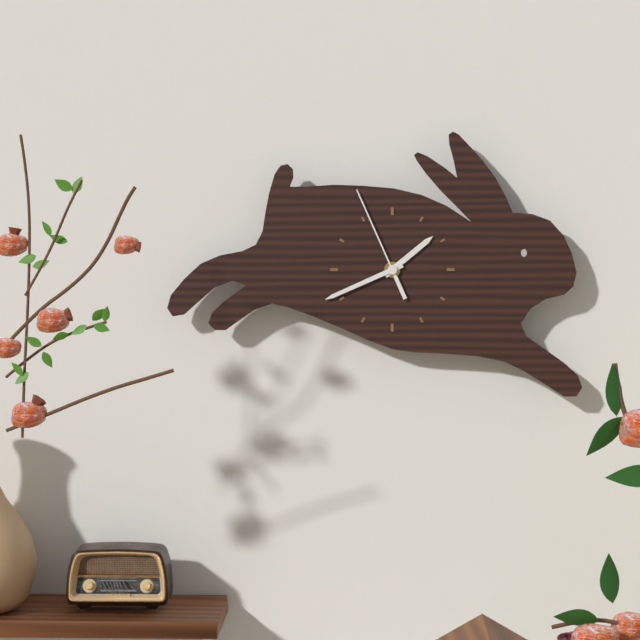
1:41:56
